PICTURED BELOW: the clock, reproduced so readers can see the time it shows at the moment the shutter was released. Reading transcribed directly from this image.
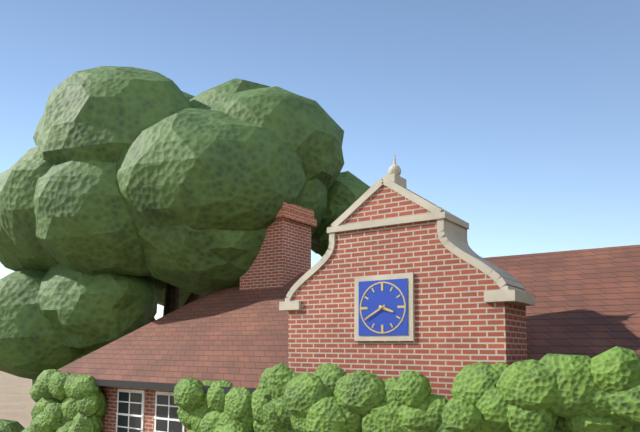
3:40
